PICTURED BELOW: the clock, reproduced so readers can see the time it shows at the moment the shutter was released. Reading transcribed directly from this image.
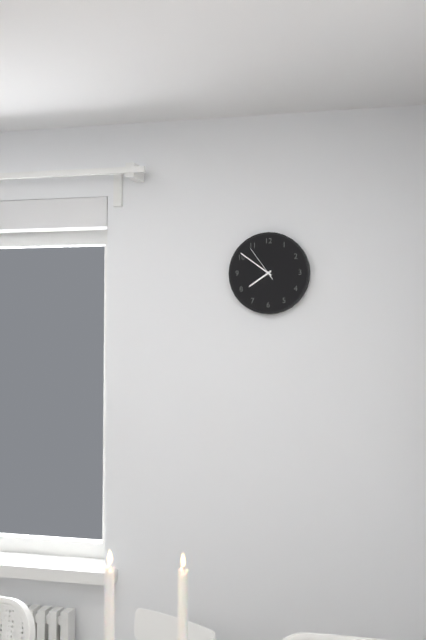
7:51
